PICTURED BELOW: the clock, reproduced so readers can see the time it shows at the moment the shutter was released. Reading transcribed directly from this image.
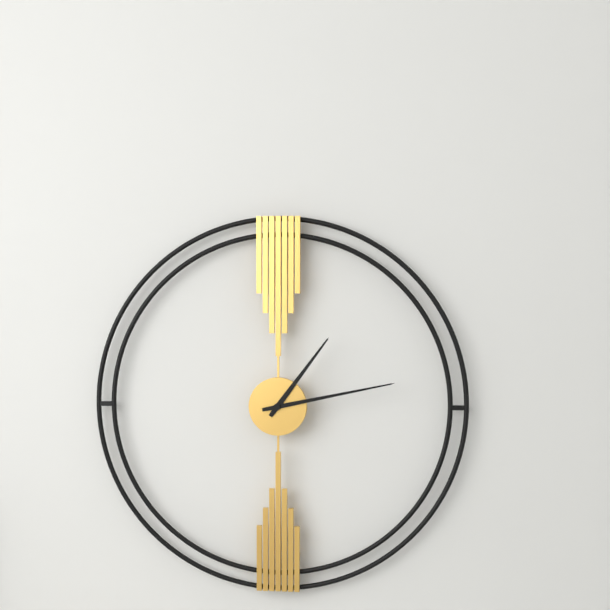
1:13
